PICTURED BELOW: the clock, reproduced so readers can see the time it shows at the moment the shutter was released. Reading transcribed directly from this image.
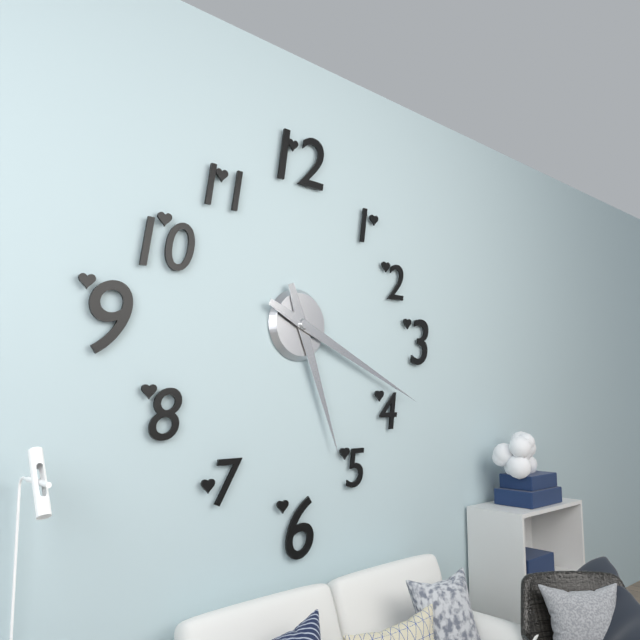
5:19
